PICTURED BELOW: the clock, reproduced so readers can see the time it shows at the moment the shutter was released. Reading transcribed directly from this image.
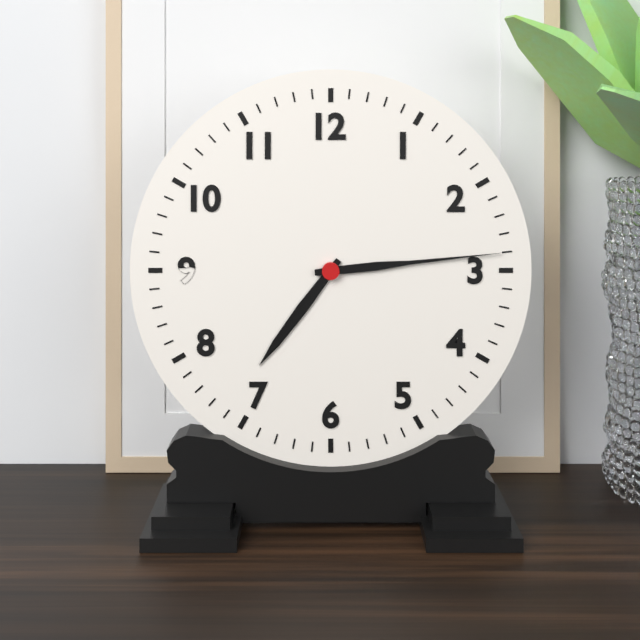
7:14
